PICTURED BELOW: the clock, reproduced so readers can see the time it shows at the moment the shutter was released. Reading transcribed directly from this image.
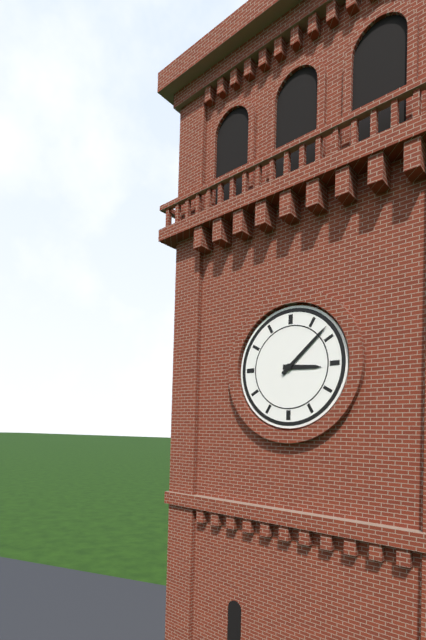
3:08
